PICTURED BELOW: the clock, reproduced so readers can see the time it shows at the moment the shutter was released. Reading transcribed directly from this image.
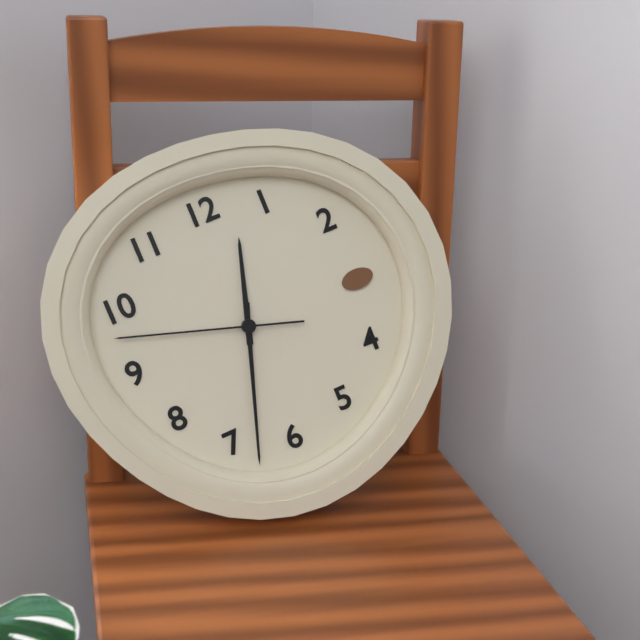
12:33:48
